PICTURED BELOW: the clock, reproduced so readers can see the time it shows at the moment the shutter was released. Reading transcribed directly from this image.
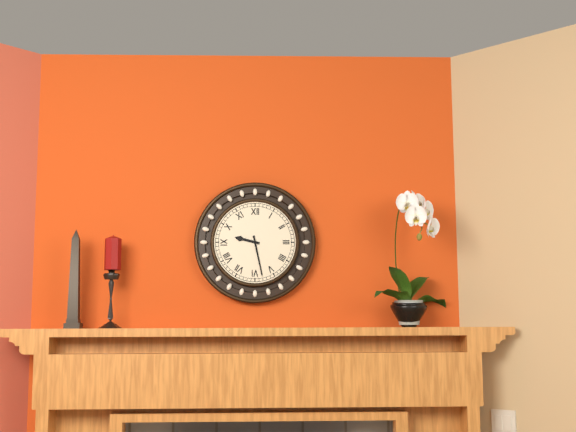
9:28
